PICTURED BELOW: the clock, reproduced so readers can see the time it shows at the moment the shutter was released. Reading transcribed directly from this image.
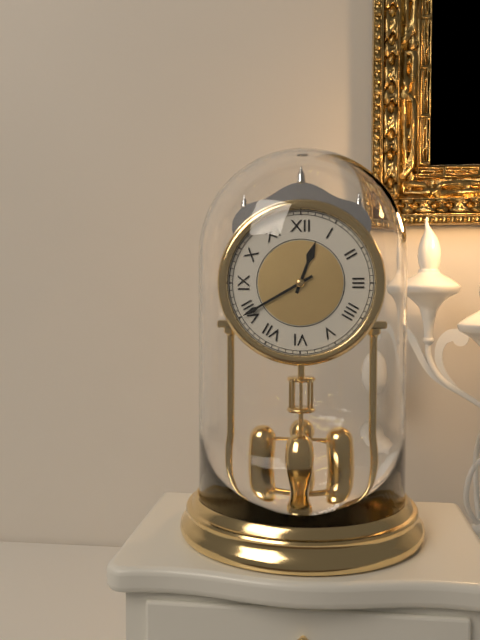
12:40
